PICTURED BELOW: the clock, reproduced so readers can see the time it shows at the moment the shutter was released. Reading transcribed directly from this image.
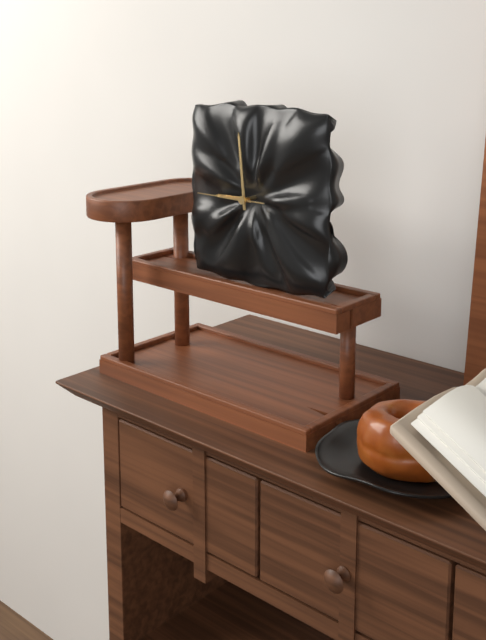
8:59:45
